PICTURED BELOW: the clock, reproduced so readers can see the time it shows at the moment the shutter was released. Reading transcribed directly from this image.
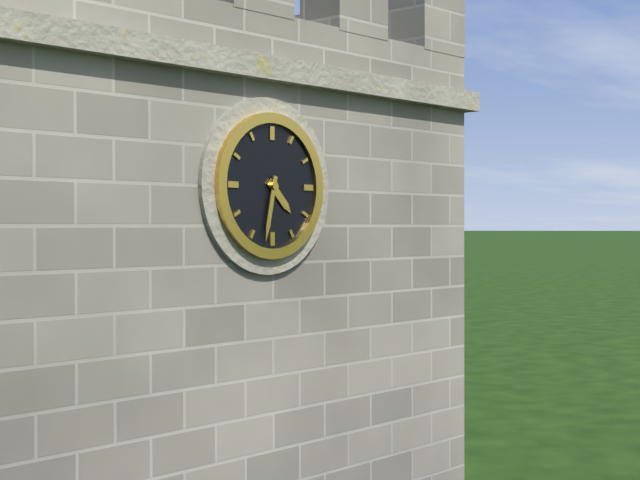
4:32
